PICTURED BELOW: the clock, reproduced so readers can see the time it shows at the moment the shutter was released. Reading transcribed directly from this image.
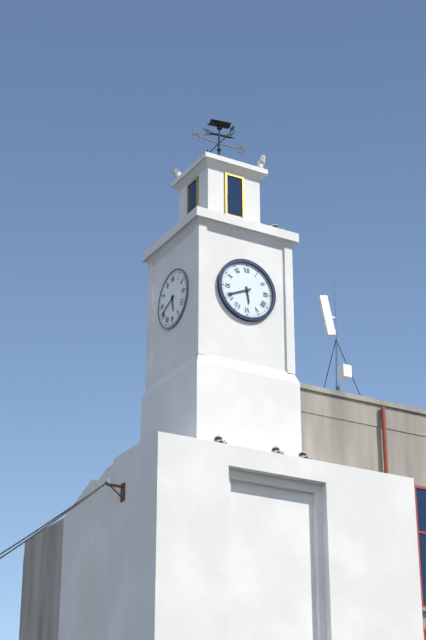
5:41
